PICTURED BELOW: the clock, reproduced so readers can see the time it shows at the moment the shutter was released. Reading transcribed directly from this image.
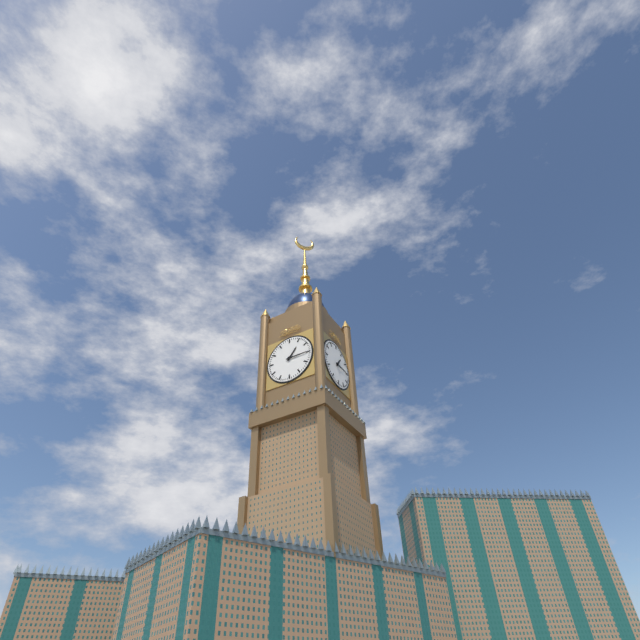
1:15
